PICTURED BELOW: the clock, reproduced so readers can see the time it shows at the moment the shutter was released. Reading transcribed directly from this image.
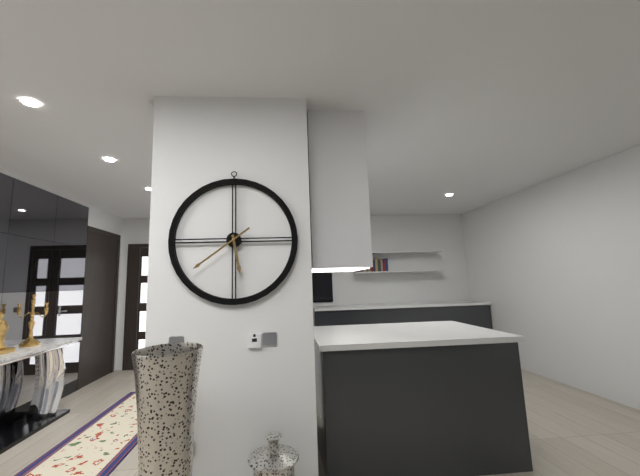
5:39
